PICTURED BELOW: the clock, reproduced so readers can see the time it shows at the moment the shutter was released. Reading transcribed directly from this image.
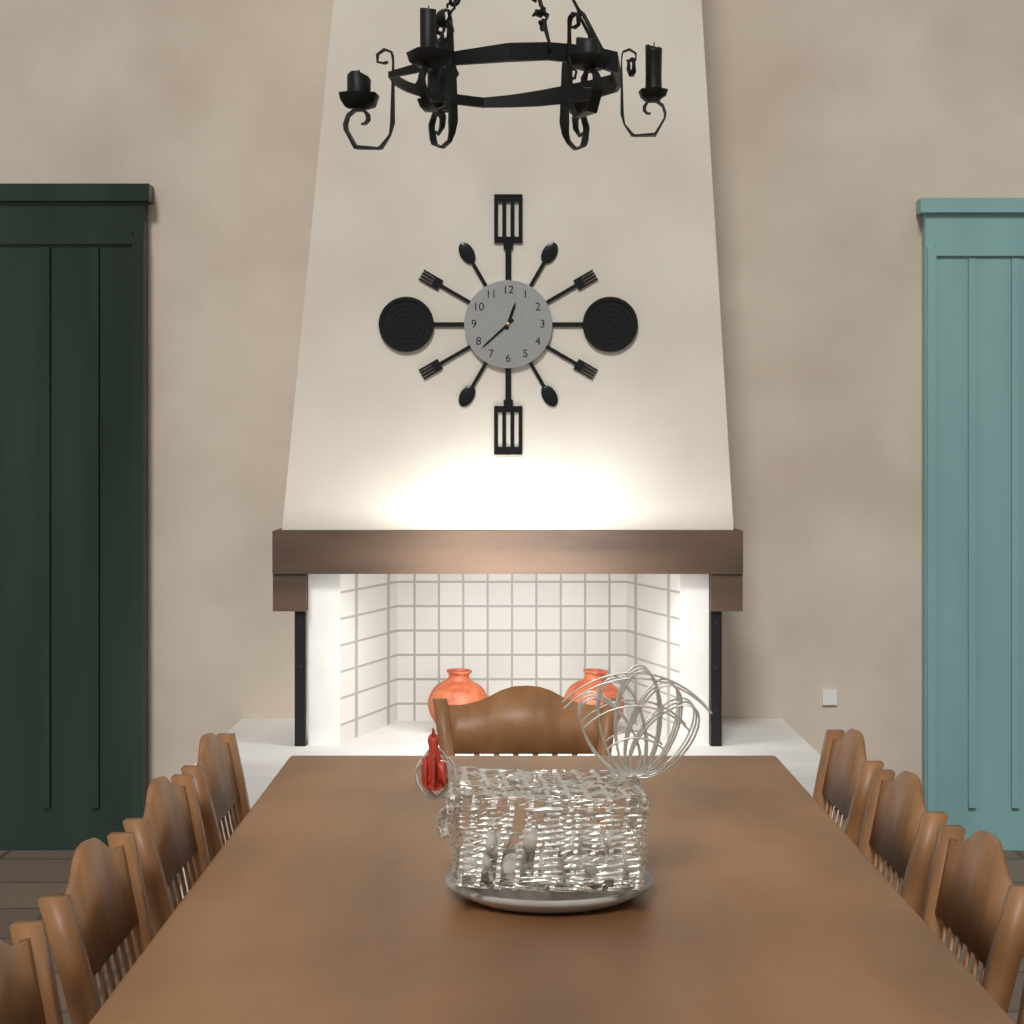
12:38
